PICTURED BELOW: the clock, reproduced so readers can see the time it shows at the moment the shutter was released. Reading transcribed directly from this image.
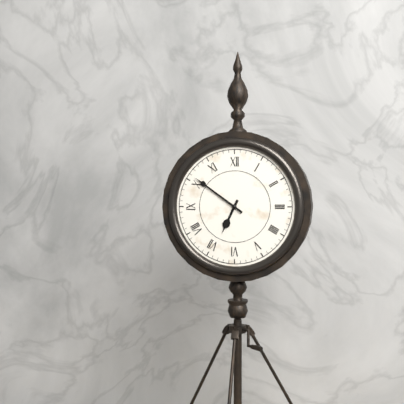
6:51
